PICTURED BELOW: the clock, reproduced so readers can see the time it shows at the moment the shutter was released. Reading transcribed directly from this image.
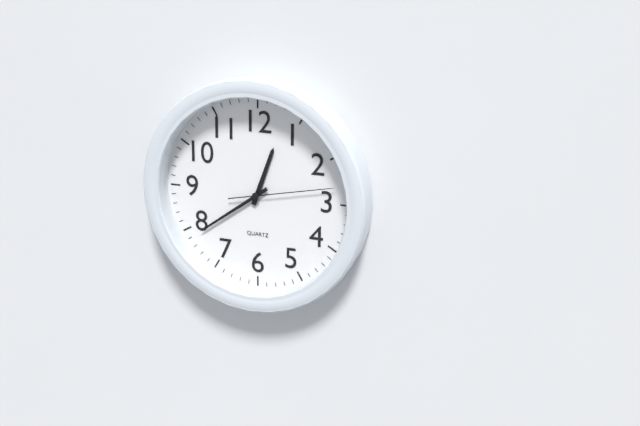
12:39:13
